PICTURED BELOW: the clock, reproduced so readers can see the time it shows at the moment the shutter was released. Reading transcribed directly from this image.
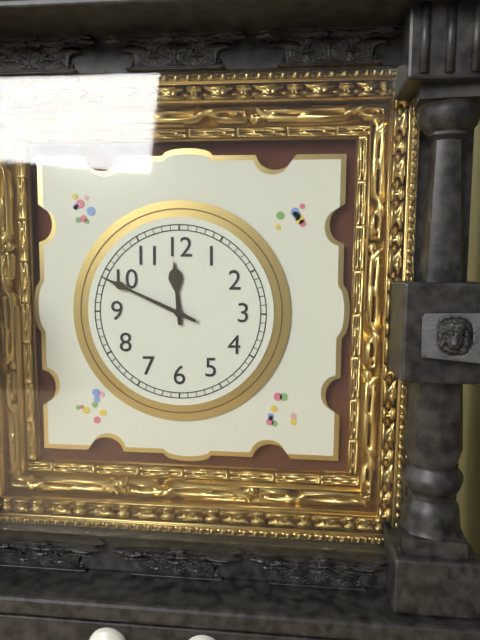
11:49
